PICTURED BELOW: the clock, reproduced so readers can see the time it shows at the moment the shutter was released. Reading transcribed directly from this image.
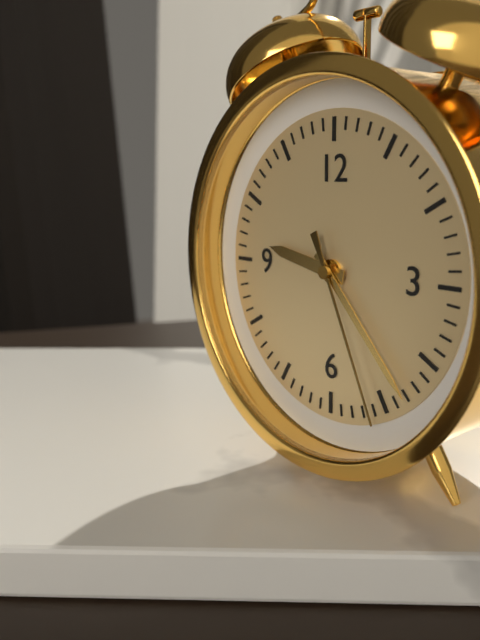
9:23:26
